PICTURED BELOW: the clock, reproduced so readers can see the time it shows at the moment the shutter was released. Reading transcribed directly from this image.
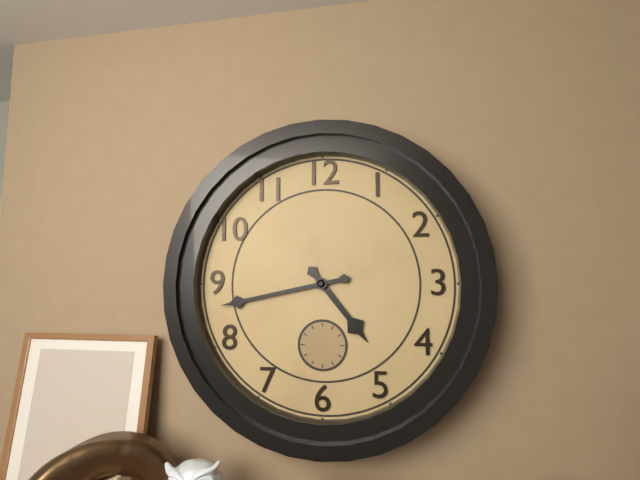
4:43
